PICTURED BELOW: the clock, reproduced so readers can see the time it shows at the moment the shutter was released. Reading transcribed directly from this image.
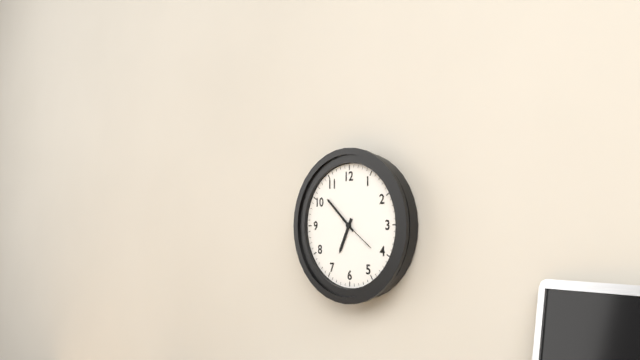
6:52
